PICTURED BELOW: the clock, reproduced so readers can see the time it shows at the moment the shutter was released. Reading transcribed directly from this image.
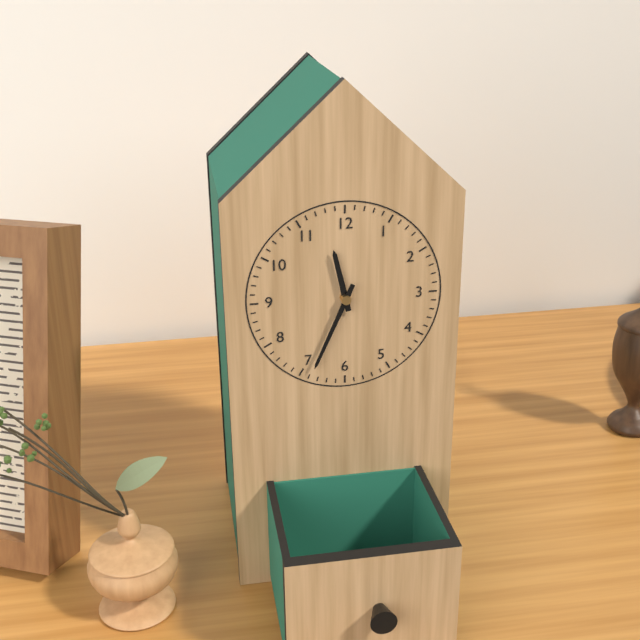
11:34
